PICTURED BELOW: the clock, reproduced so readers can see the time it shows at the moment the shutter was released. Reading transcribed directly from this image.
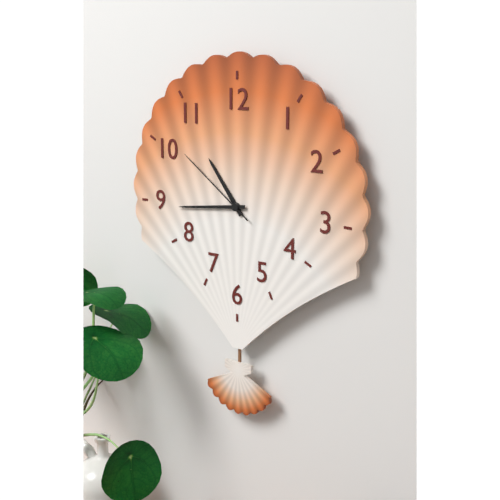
10:44:51
